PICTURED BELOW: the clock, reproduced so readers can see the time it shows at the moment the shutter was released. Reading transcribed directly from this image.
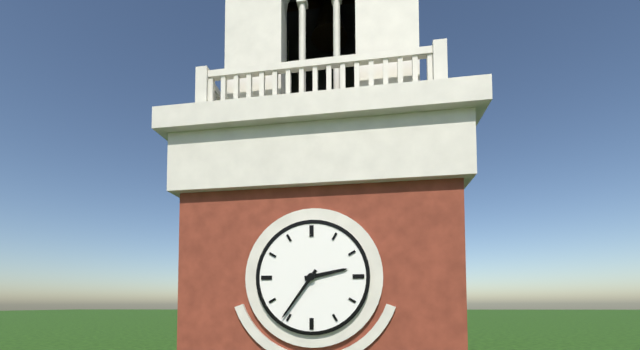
2:36
